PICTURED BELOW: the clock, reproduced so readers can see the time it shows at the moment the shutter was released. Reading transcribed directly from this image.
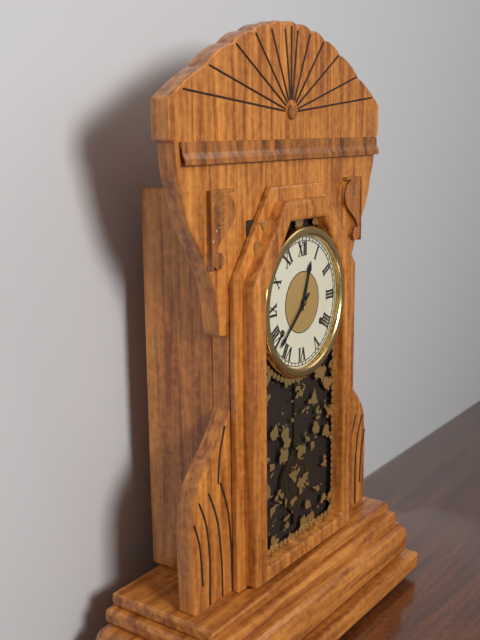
12:38
